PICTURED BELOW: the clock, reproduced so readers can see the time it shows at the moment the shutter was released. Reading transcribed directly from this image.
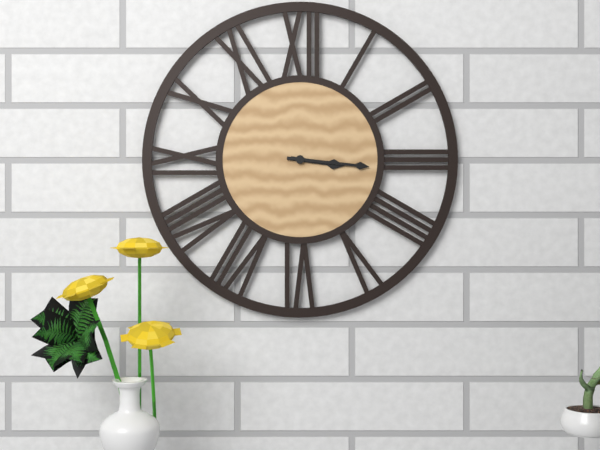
3:16
